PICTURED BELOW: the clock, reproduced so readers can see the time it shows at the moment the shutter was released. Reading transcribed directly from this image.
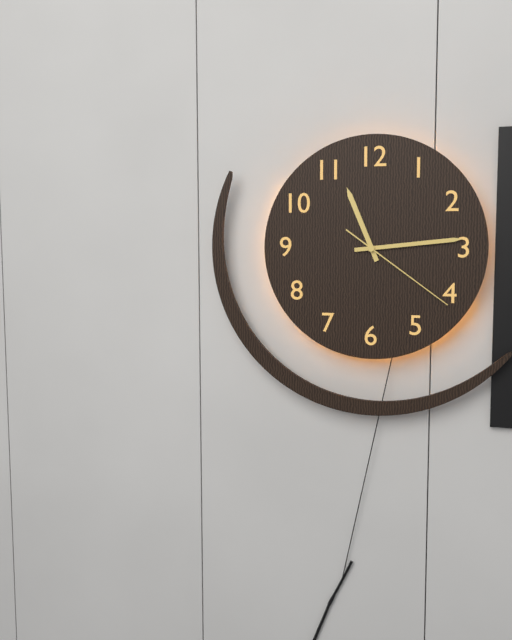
11:14:21
